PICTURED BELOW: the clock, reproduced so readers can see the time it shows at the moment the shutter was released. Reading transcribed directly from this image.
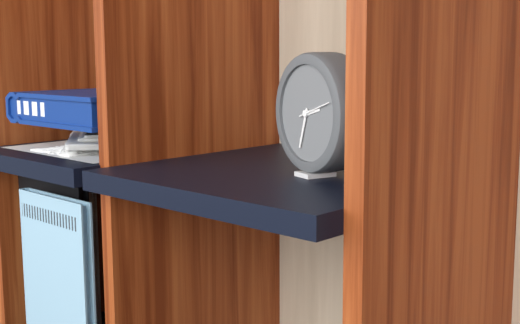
2:33
